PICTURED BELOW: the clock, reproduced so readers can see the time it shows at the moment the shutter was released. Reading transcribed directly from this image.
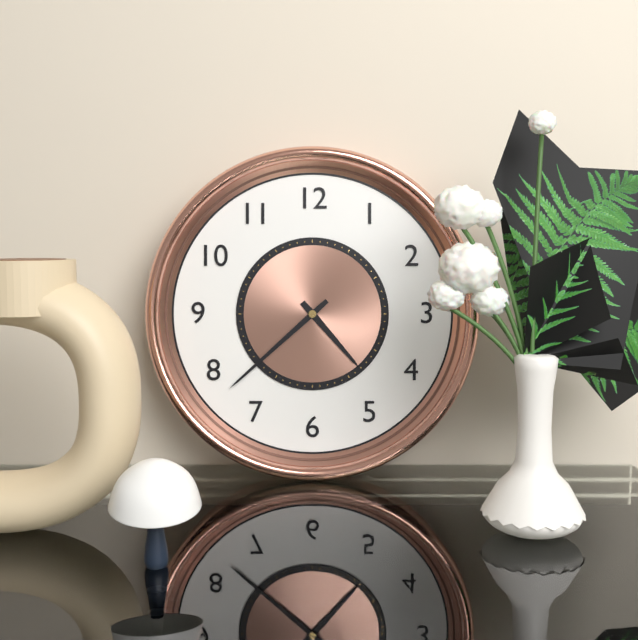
4:38
